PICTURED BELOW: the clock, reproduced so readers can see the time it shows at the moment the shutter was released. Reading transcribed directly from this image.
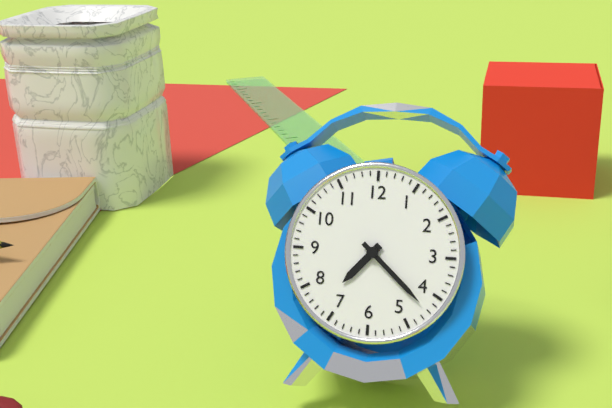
7:22
